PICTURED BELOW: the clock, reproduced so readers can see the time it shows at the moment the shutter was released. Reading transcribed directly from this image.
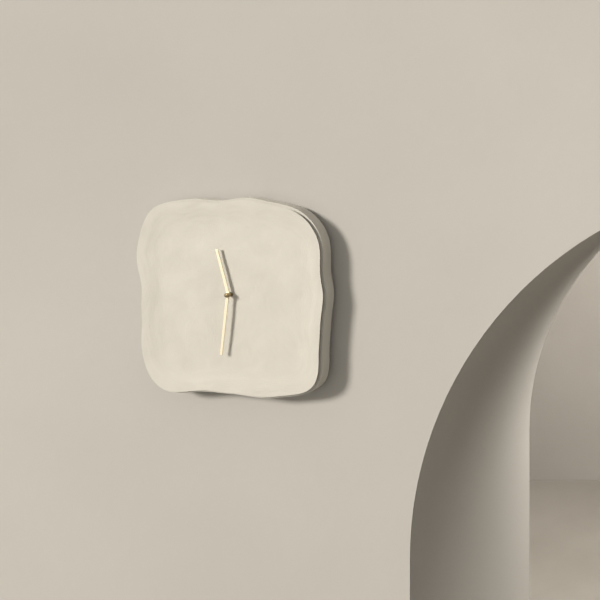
11:31
